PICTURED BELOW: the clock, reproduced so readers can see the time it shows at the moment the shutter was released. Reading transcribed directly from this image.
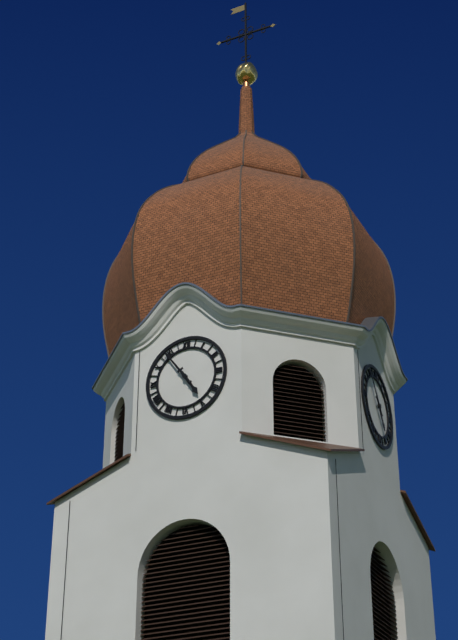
4:54
